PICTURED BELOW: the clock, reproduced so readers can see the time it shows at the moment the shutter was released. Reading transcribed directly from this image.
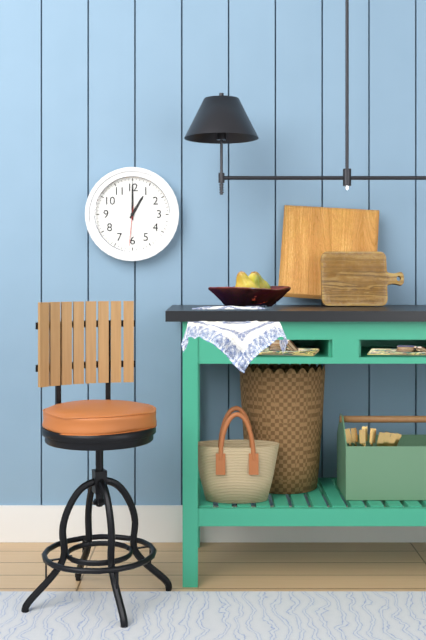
1:00
